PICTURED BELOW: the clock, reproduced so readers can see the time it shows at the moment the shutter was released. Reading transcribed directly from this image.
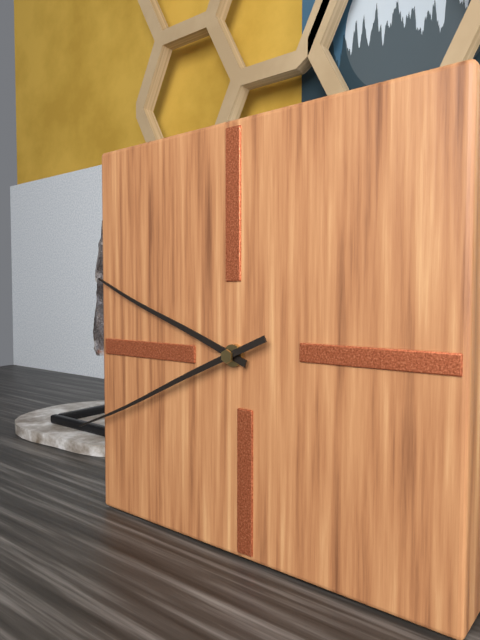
9:41
